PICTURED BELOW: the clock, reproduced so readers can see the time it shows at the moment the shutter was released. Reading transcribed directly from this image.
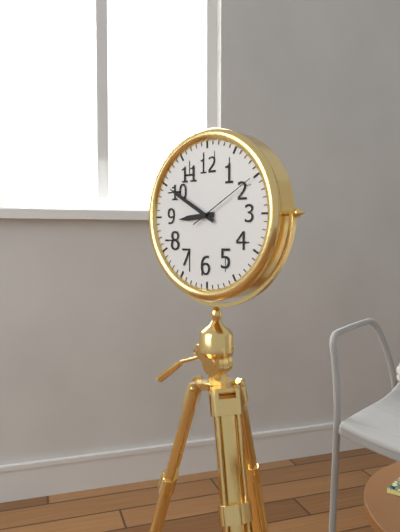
8:50:10
